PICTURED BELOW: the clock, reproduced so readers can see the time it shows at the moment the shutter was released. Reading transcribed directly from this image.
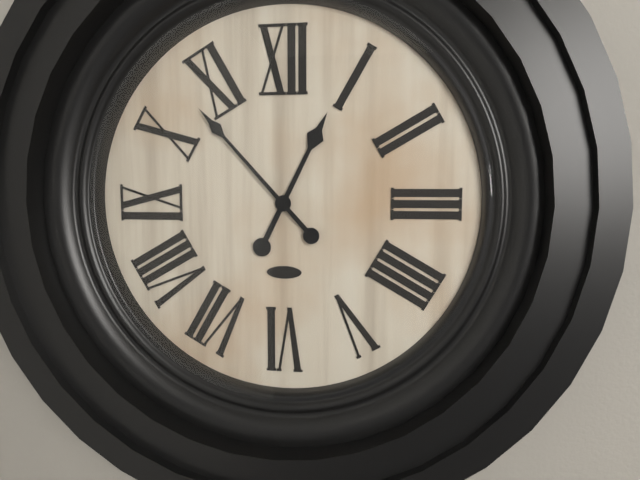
12:53
